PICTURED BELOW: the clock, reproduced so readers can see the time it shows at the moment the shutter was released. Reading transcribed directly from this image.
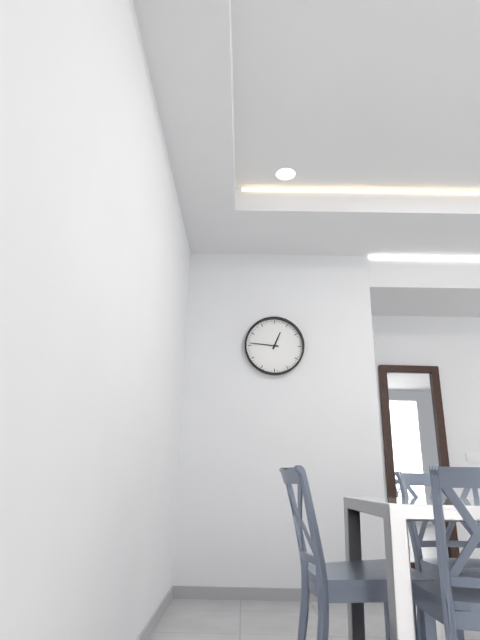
12:46
